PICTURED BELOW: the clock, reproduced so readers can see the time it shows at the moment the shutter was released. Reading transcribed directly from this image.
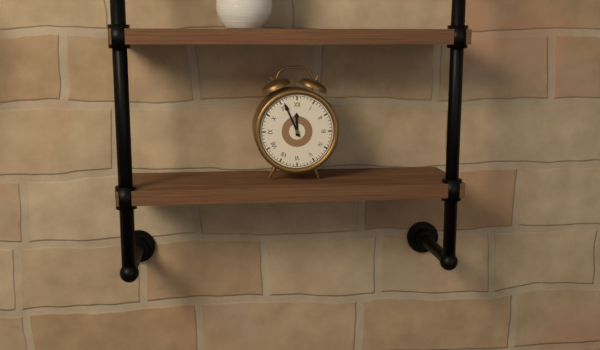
11:56
